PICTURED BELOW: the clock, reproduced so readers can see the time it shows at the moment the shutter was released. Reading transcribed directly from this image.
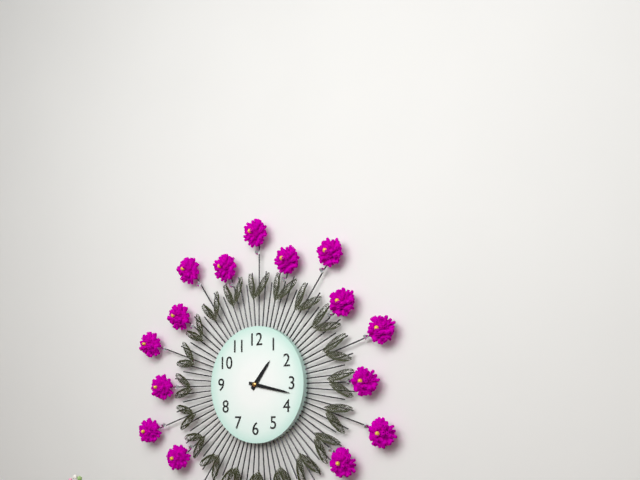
1:17
